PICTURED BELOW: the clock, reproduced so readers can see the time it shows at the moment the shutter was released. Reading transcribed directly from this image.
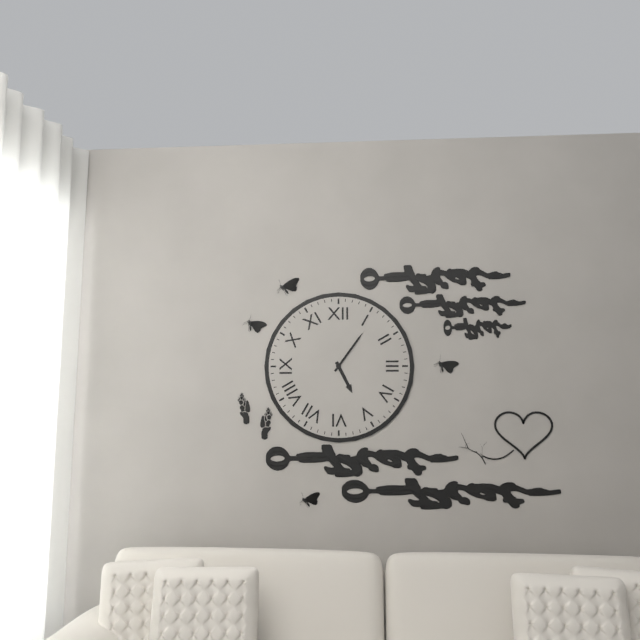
5:06
